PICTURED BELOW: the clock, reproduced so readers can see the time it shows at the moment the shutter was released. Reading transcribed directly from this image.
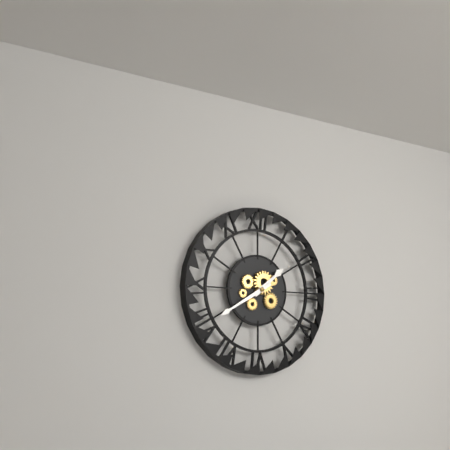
1:40
